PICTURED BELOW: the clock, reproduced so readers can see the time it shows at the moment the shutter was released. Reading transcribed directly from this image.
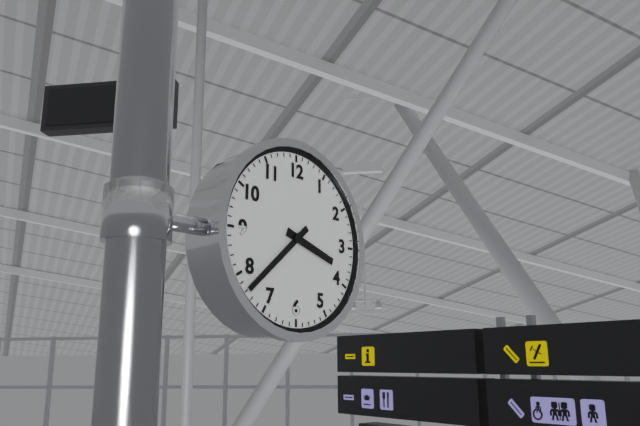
3:38
